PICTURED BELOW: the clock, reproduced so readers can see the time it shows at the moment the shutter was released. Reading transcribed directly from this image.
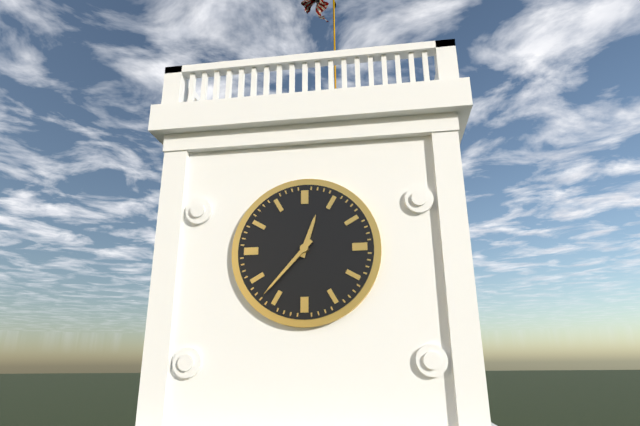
12:37
